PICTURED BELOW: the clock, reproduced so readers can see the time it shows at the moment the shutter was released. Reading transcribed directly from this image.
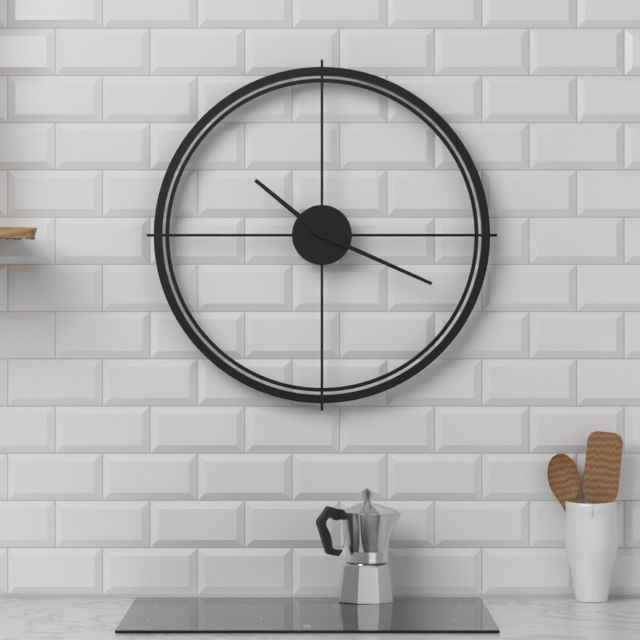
10:19
